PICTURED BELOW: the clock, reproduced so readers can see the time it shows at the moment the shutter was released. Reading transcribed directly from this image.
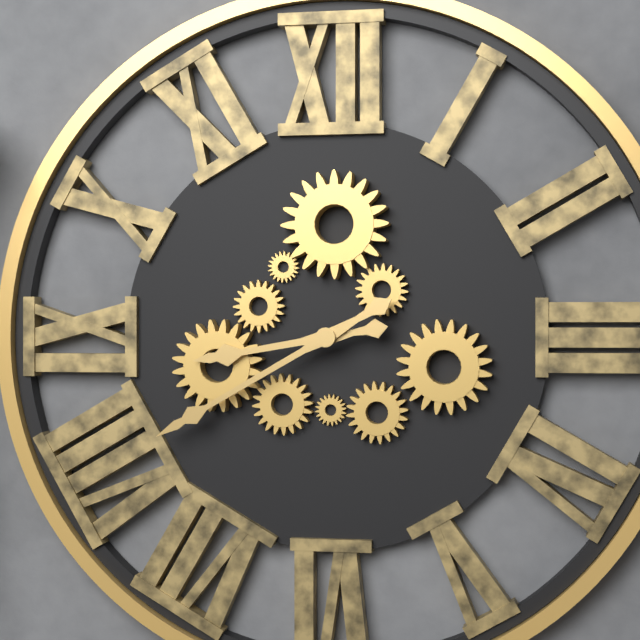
8:40
